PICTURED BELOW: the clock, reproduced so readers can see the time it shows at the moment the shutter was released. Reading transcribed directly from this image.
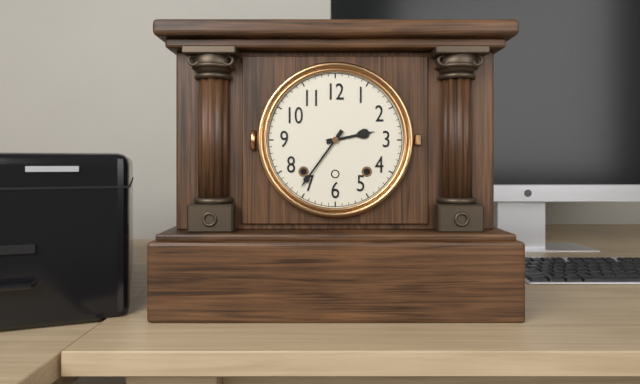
2:36
